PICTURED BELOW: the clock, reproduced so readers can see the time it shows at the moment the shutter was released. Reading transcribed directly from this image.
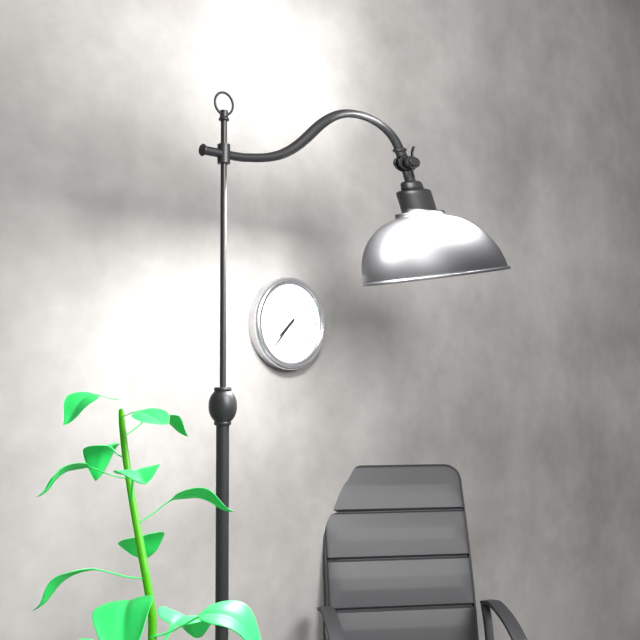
7:37
